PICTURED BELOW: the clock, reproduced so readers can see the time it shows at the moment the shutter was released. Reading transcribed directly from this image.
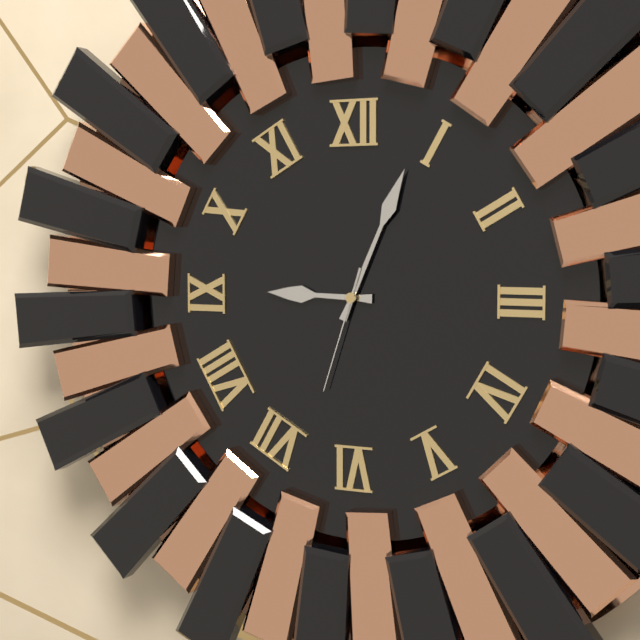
9:04:33
